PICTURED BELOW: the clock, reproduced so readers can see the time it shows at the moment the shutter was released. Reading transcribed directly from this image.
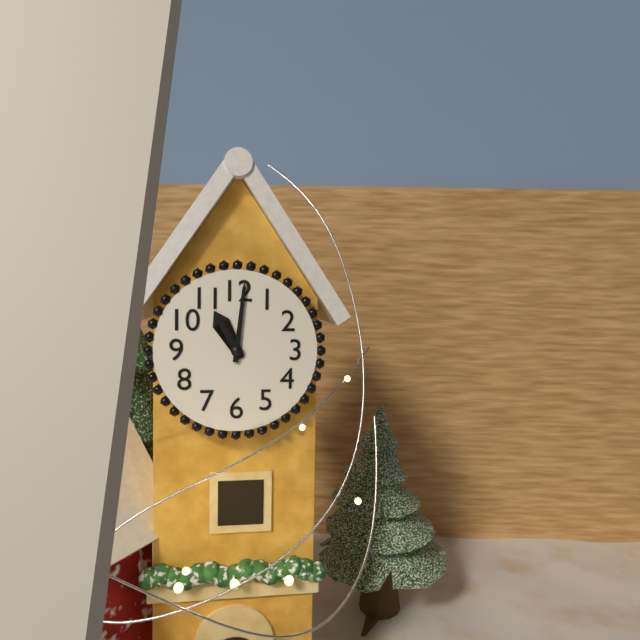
11:01
